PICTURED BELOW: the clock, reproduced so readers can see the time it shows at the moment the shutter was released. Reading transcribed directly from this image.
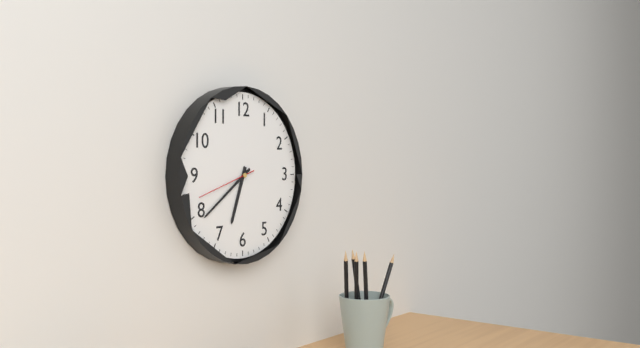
6:39:42
